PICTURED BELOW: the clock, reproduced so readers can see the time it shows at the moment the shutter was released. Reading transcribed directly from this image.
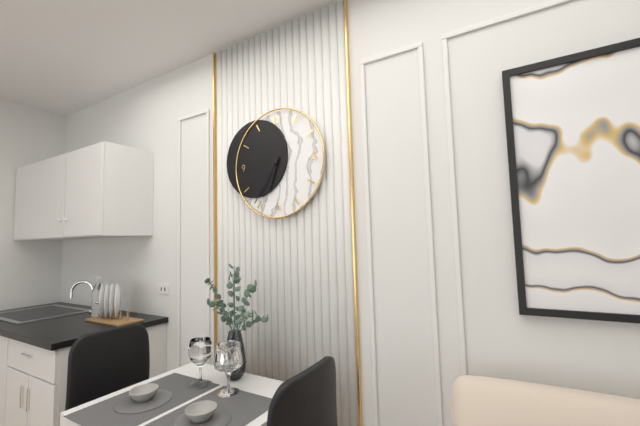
6:36
